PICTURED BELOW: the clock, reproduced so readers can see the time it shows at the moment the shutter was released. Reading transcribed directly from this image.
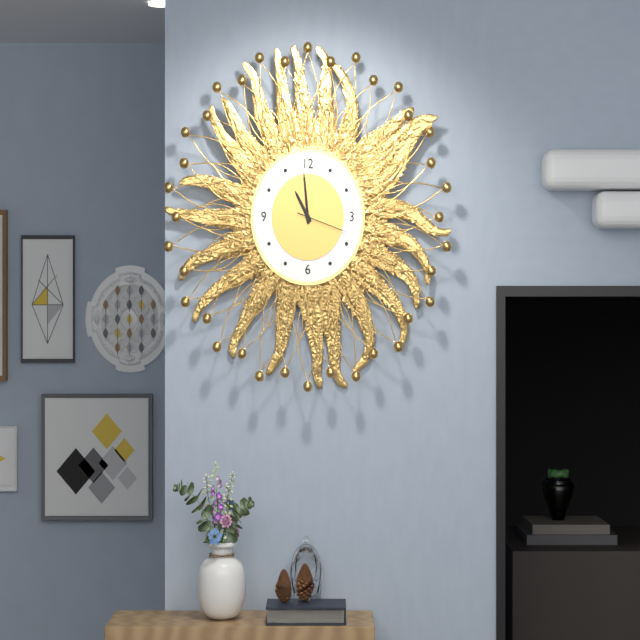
10:59:18
